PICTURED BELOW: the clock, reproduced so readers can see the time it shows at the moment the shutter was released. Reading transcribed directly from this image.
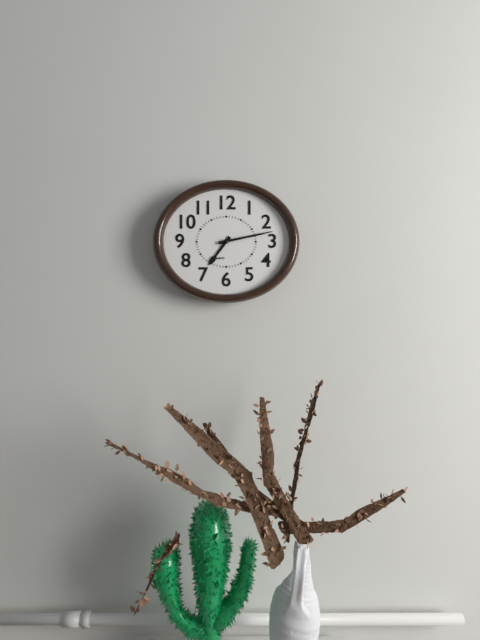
7:13
